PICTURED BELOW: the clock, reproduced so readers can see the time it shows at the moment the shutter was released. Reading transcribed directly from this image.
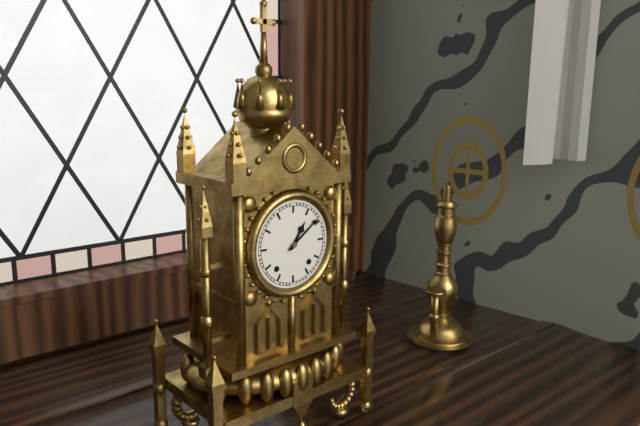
1:09
